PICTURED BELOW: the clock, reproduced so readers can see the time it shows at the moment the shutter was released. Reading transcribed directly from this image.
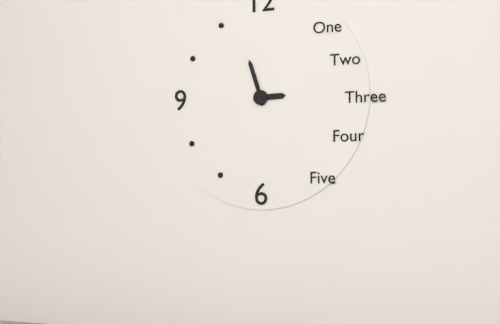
2:57
